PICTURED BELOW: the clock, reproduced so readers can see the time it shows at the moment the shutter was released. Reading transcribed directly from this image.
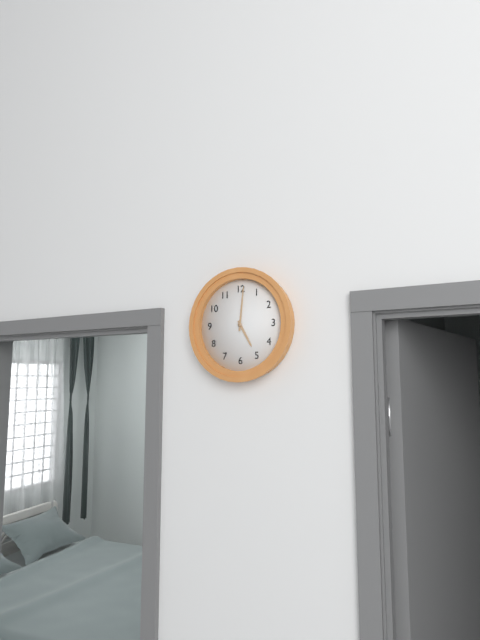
5:01
